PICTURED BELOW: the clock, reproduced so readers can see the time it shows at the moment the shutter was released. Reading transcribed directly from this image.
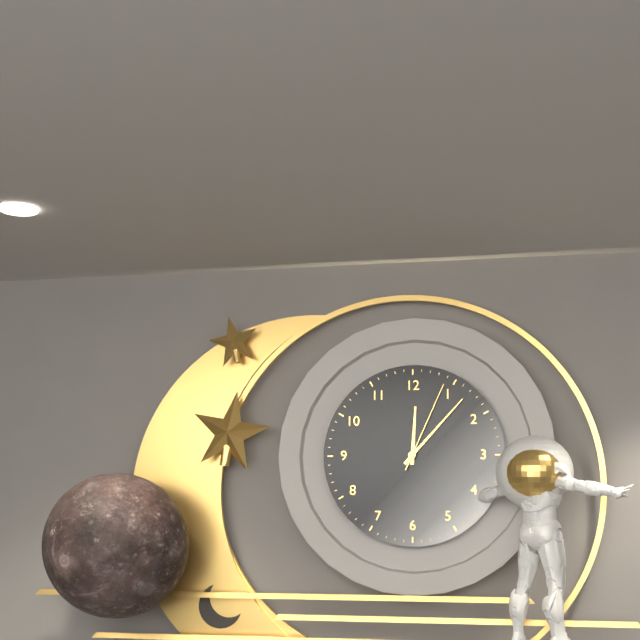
12:07:04
